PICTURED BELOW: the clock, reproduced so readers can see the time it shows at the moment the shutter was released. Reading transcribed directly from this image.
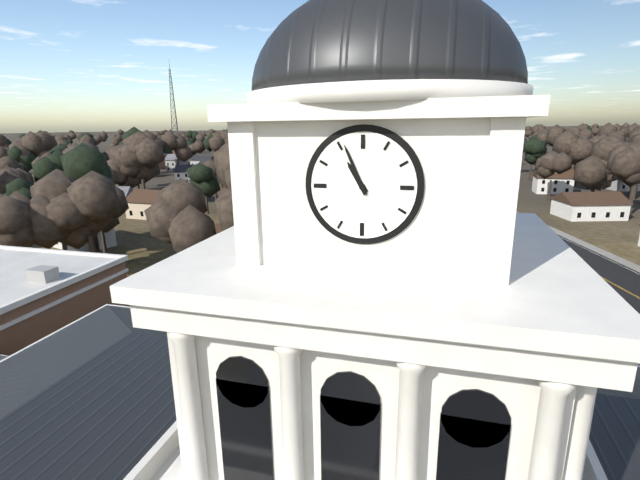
10:56
